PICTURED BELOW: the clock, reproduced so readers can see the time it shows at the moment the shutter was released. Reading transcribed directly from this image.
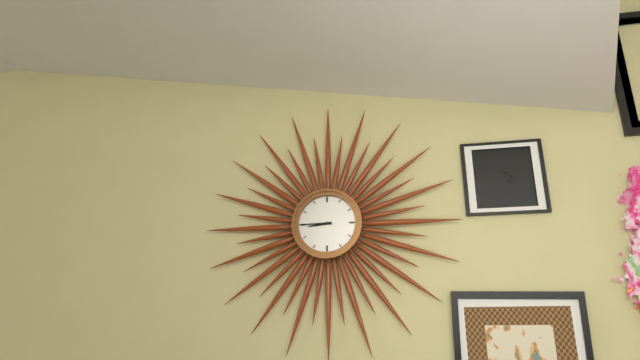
8:45
